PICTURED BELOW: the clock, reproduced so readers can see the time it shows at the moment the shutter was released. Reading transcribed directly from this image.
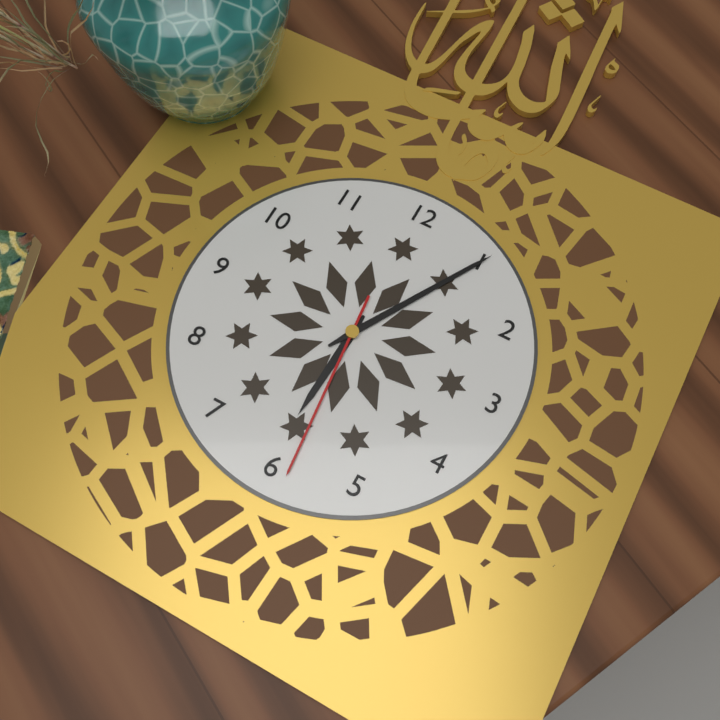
6:05:29
